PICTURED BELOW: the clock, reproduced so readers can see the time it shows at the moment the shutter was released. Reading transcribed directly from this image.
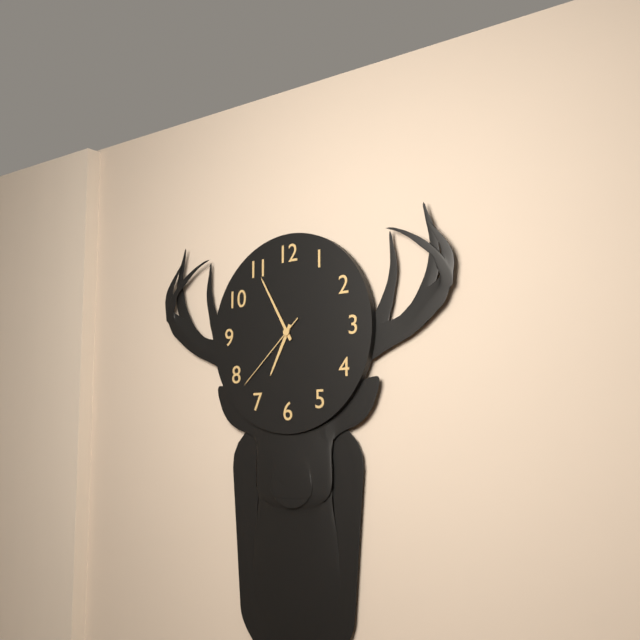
6:55:38
